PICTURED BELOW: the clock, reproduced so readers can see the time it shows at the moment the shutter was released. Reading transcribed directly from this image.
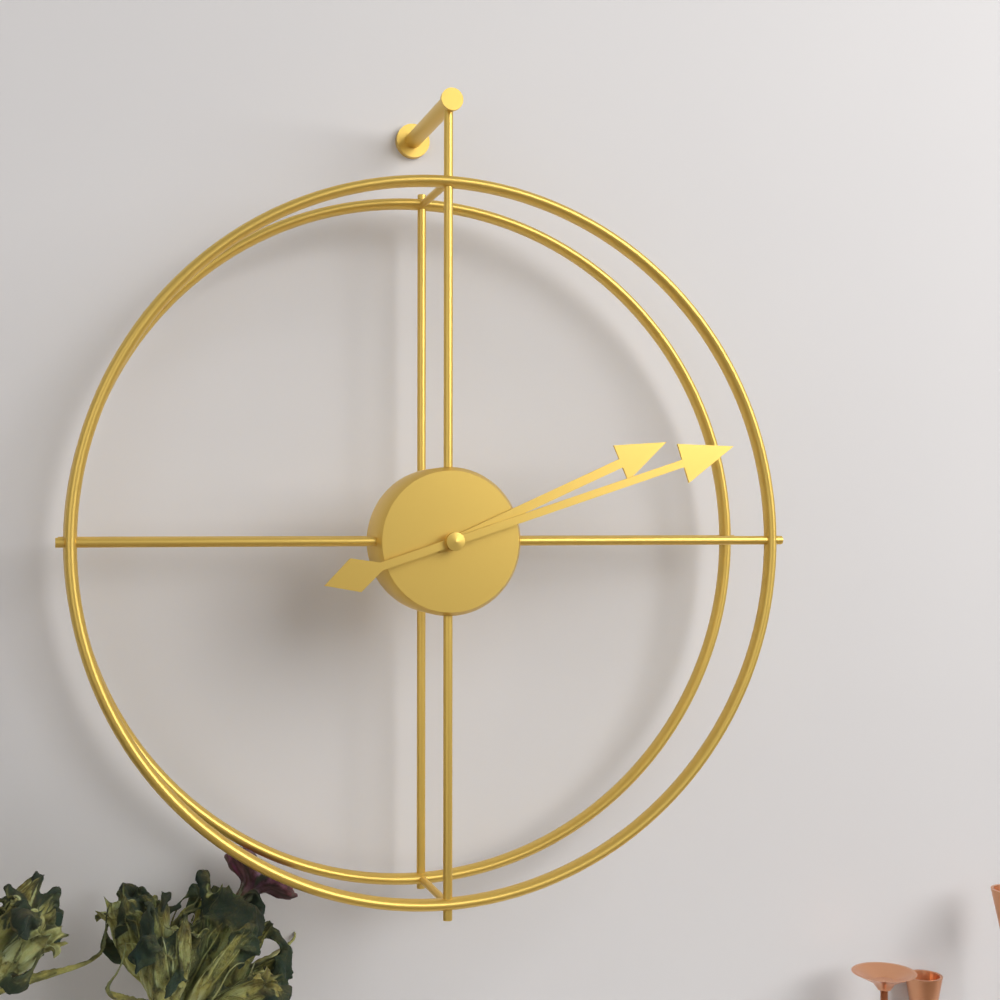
2:12
